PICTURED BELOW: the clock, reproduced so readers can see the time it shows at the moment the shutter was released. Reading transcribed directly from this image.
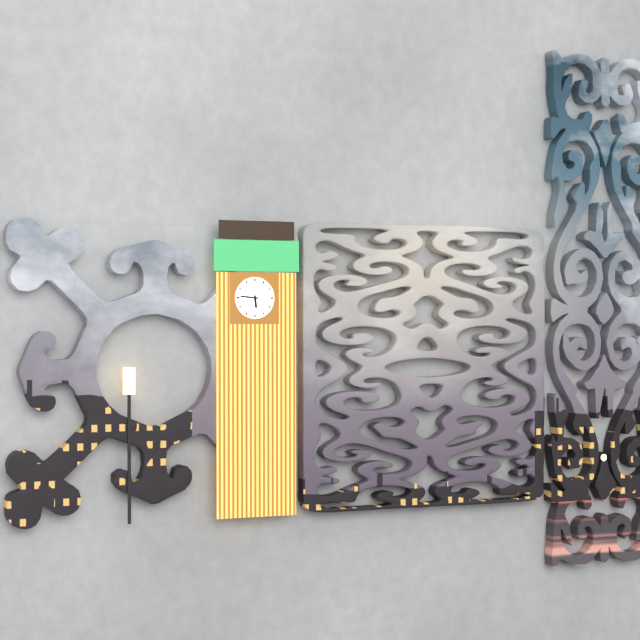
5:46
